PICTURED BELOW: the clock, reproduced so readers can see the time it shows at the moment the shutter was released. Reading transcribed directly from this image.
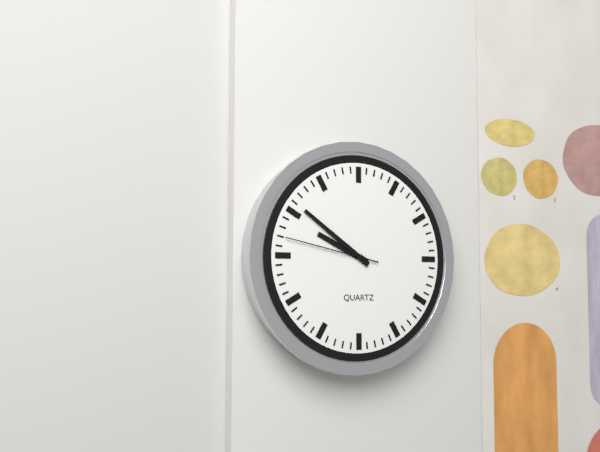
9:51:47
